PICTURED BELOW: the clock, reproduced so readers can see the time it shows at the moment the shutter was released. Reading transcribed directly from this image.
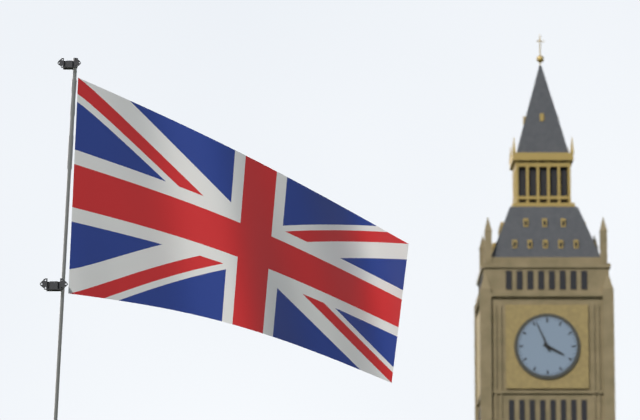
3:56
